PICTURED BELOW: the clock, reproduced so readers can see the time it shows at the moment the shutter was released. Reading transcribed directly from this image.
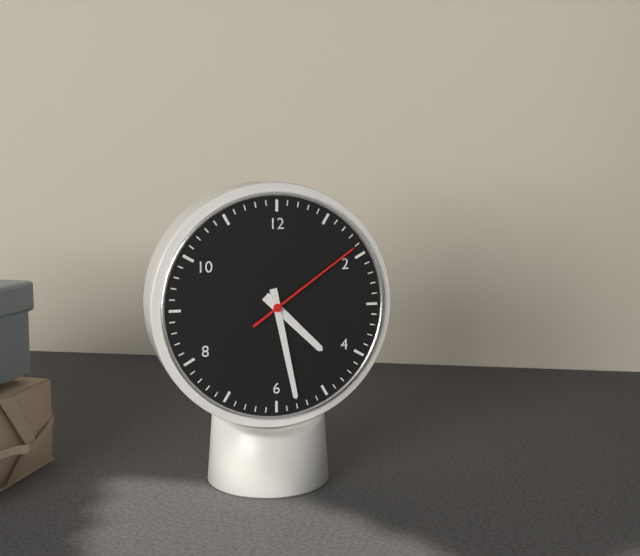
4:28:09
